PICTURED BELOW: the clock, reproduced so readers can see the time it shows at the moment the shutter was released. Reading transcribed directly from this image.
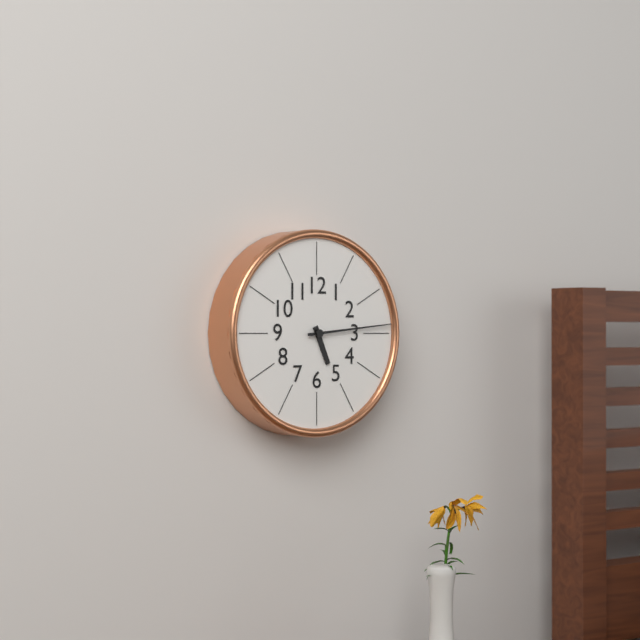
5:14
